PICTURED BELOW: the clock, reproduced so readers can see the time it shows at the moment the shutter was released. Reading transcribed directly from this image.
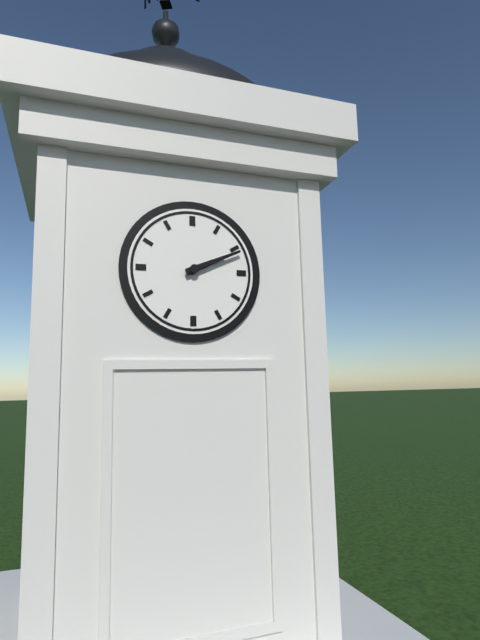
2:11
